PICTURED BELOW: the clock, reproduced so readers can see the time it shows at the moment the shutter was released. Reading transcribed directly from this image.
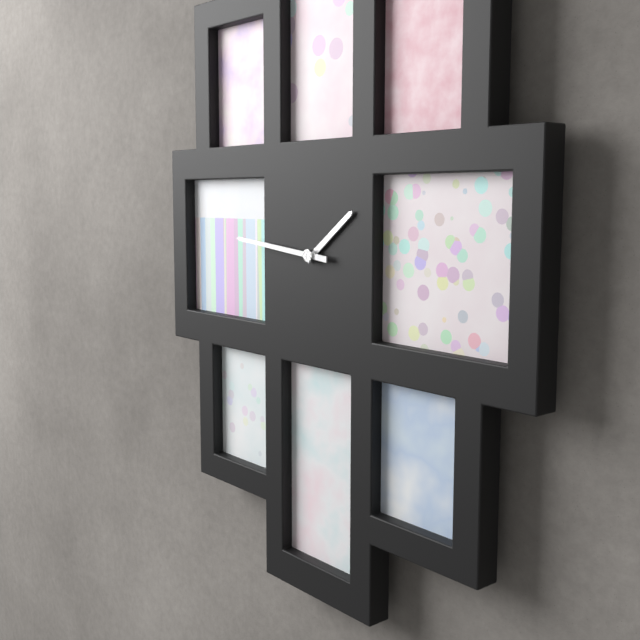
1:46
